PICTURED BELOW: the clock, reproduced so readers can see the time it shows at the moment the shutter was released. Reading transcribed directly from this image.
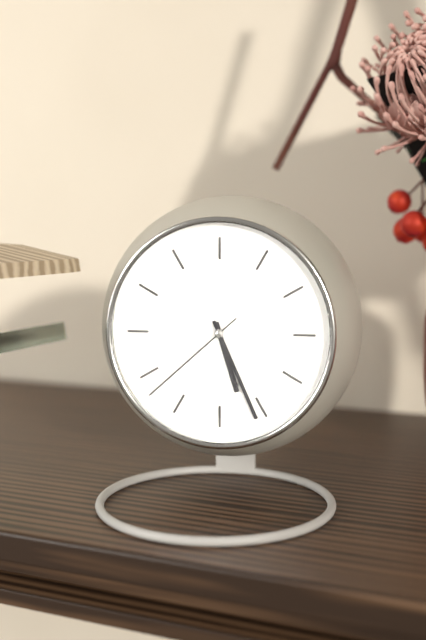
5:26:38
